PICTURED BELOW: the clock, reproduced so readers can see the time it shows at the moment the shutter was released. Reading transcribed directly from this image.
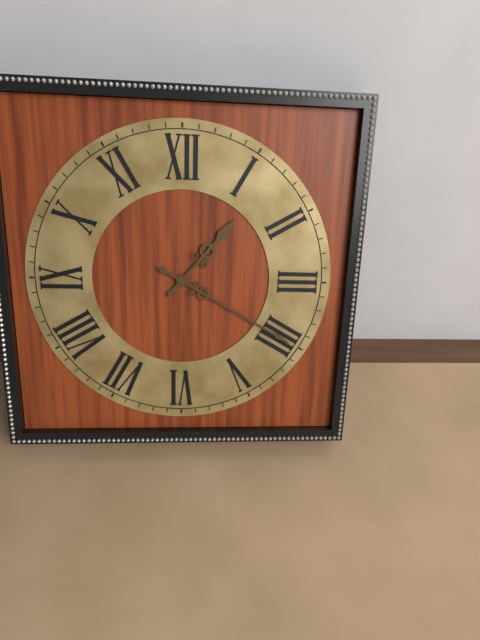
1:20
